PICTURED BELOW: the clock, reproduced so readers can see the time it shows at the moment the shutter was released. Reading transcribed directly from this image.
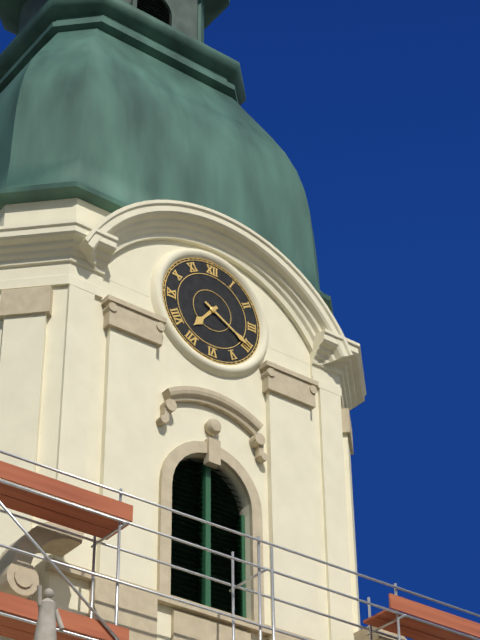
7:20
